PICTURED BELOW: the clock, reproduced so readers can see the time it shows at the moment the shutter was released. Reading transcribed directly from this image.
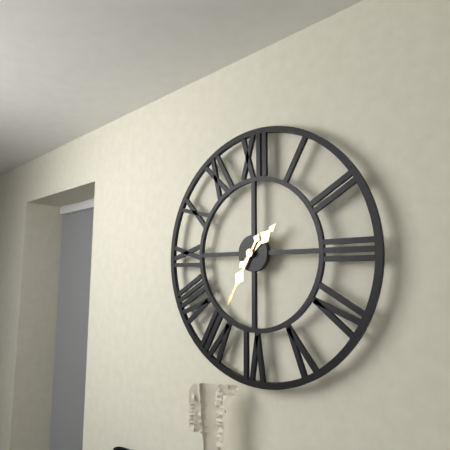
1:35
